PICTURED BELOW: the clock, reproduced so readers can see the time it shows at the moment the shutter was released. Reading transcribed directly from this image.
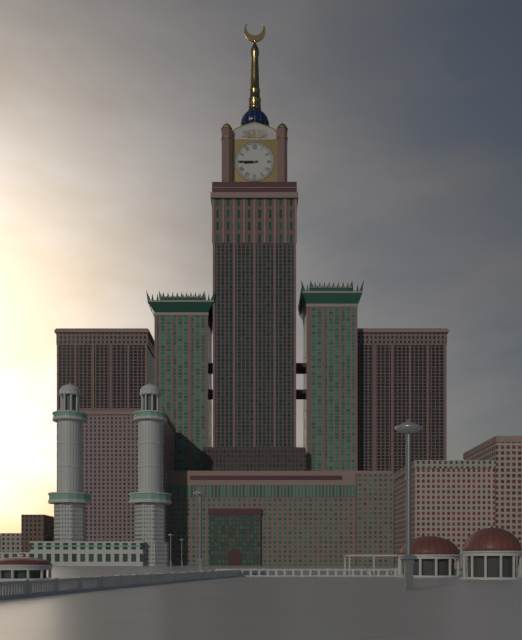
8:45
